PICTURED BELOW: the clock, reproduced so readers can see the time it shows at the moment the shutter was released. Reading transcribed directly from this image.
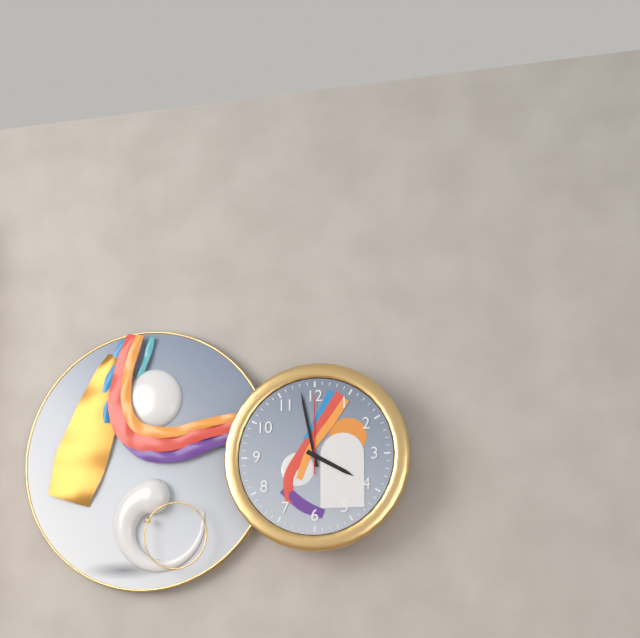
3:58:00
